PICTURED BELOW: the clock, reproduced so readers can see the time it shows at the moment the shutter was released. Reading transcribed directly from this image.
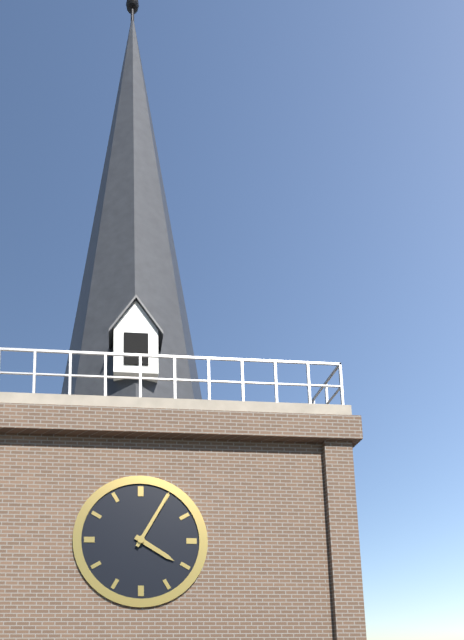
4:05
